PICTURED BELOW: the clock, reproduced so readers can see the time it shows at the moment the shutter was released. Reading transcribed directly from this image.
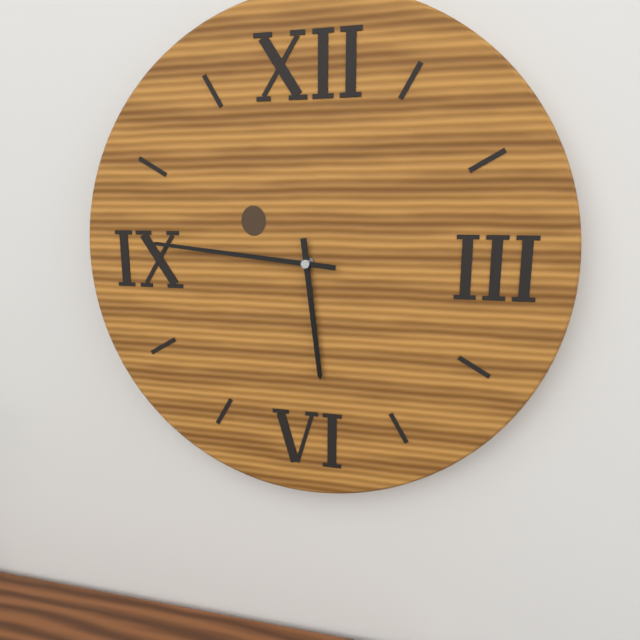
5:46
